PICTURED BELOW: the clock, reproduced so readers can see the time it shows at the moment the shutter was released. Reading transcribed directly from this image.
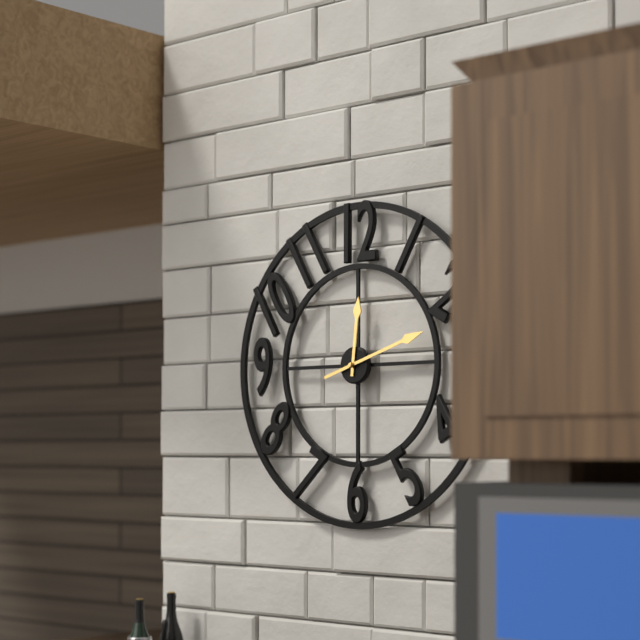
12:12
